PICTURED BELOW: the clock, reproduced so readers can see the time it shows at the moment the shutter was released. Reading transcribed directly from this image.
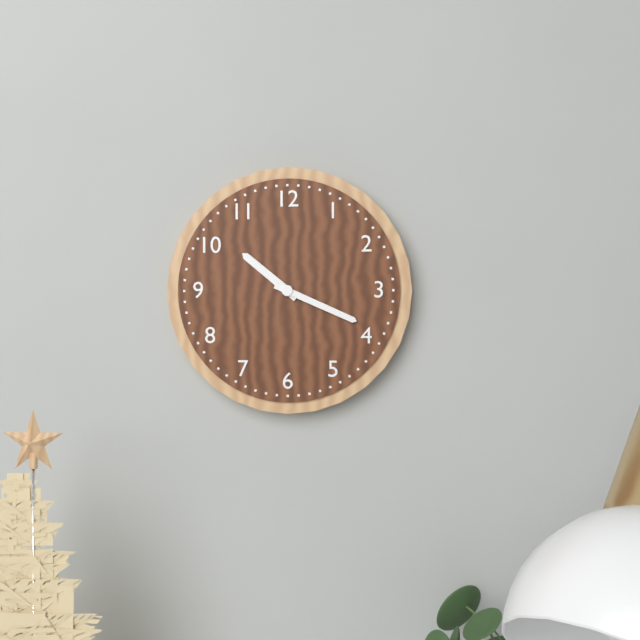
10:19
